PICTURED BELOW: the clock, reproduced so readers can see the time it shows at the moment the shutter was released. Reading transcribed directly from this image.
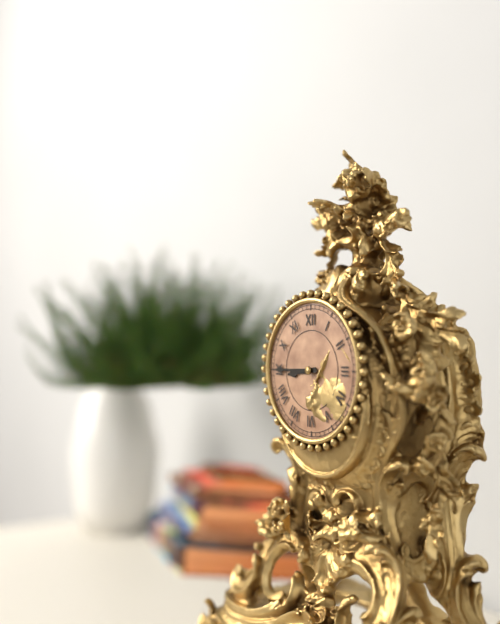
8:45
